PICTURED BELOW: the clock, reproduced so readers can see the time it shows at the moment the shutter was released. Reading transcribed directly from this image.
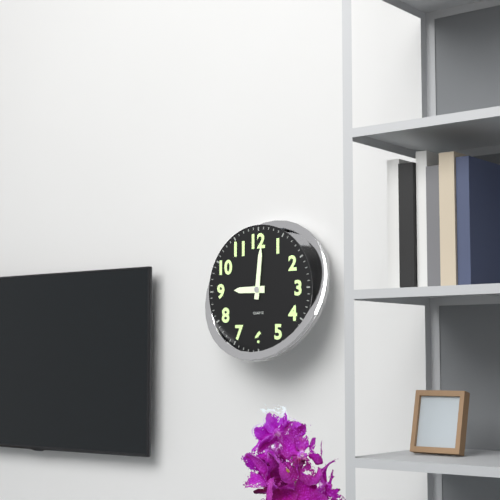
9:01
